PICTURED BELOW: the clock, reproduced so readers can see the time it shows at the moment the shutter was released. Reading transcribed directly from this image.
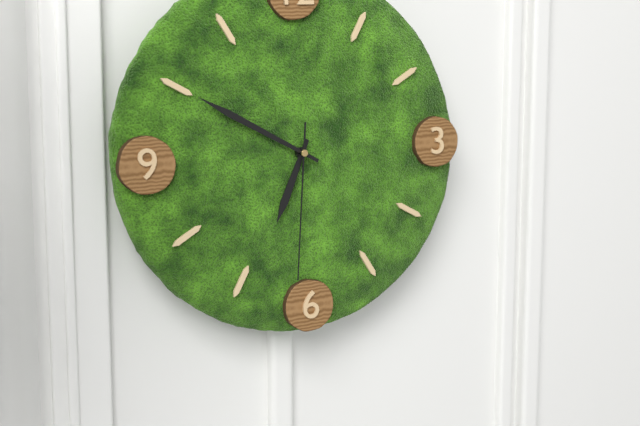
6:50:31
